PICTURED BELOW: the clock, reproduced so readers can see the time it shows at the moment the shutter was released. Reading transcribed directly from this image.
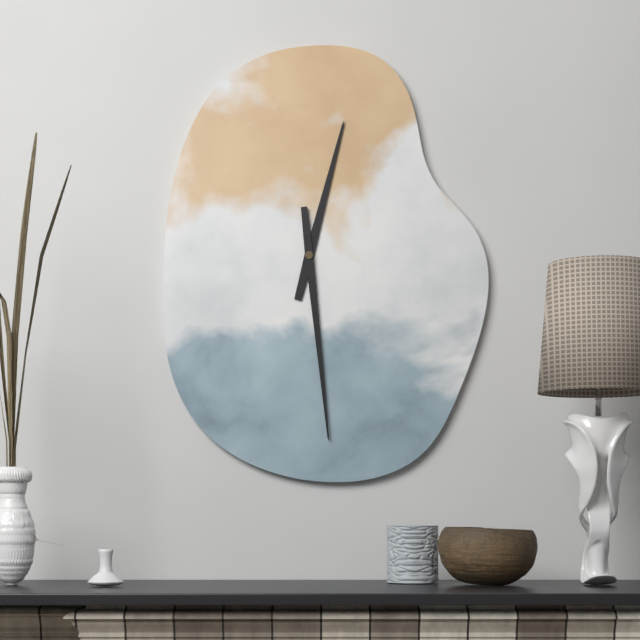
12:29
